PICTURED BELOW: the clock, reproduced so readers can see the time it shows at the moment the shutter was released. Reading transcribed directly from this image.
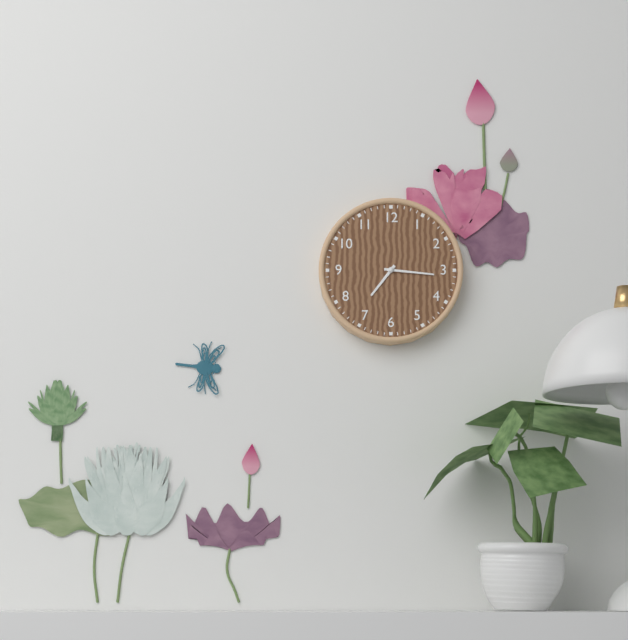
7:16
